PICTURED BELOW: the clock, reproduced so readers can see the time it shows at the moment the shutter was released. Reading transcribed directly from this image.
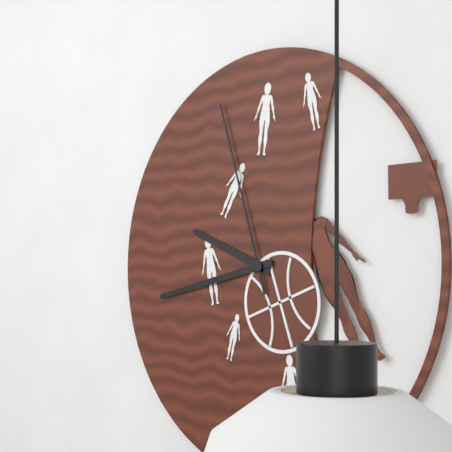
9:43:57
